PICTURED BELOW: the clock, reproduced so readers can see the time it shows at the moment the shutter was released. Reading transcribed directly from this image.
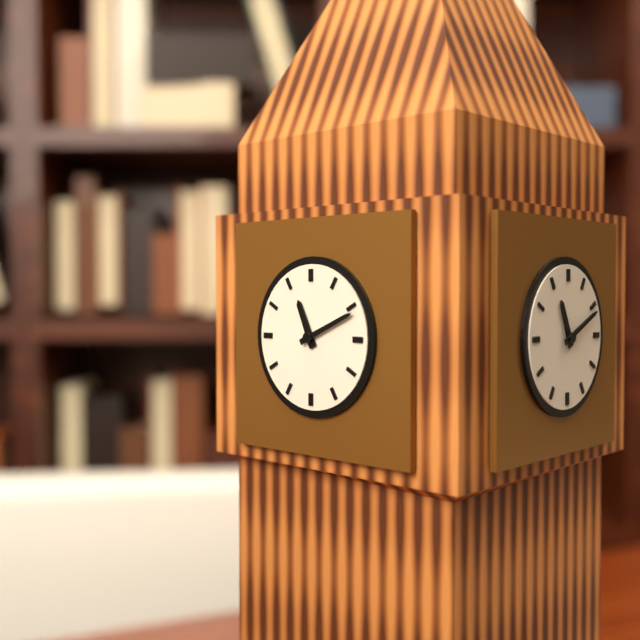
11:11
